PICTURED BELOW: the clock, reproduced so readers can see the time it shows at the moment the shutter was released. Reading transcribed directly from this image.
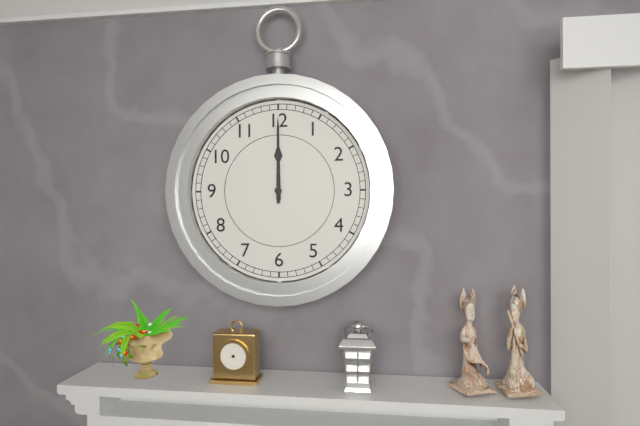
12:00
